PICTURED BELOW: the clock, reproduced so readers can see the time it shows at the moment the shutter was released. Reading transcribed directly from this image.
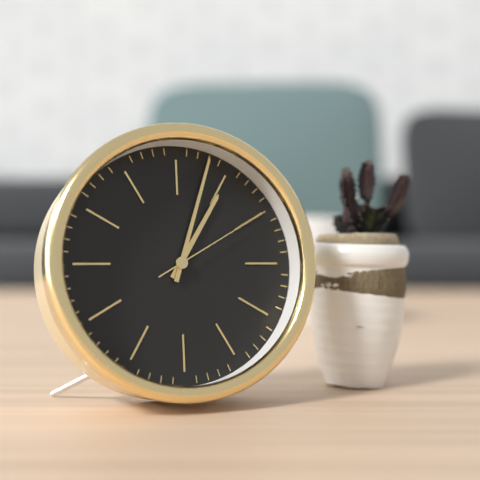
1:03:10
